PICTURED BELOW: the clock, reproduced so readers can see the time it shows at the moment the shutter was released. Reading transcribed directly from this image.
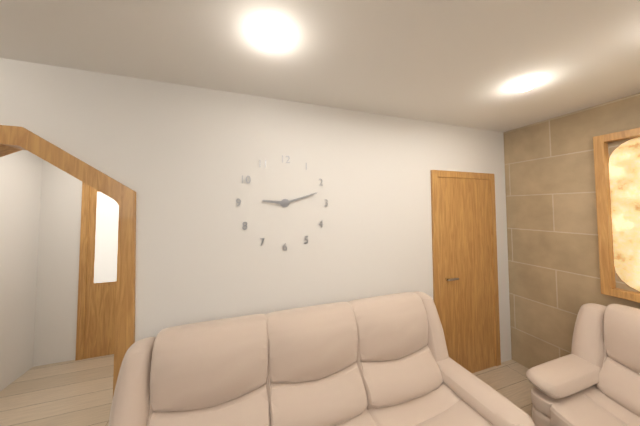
9:12
